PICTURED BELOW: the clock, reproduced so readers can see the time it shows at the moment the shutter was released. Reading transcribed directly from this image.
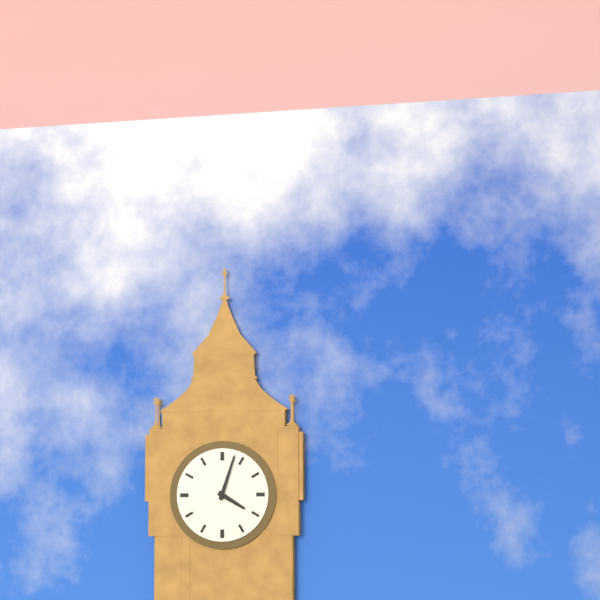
4:03
